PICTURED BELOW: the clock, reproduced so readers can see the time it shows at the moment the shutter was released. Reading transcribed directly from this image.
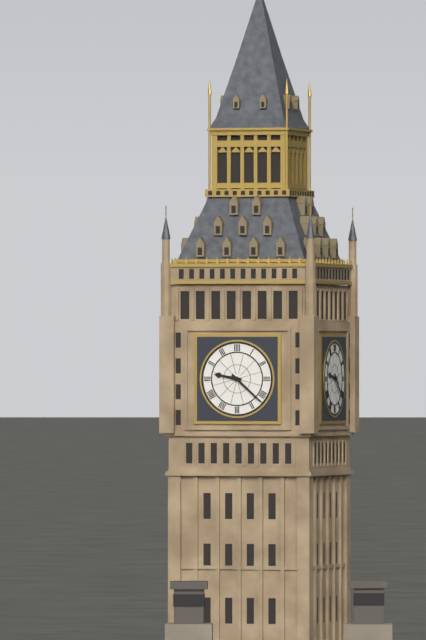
9:22
